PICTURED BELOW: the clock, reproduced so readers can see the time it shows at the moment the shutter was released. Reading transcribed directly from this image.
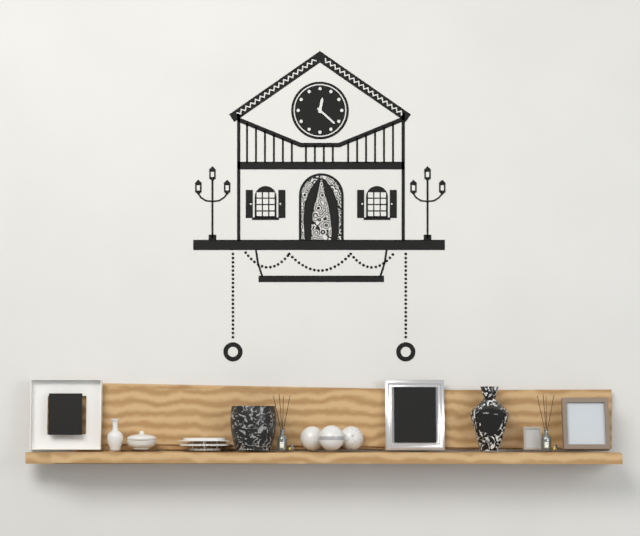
12:22
